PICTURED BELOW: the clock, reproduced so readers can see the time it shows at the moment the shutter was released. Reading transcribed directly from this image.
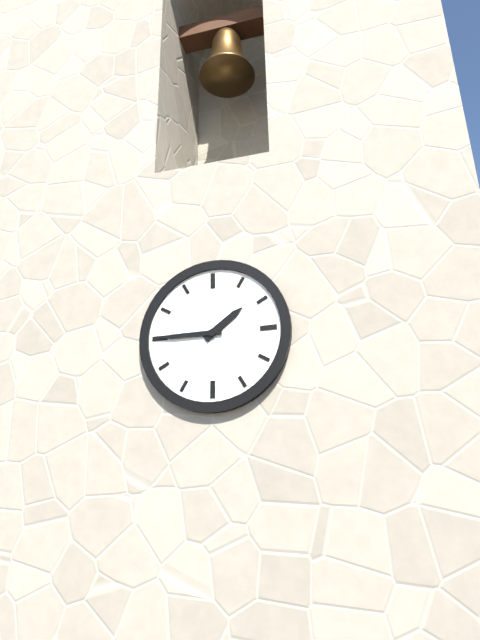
1:45
